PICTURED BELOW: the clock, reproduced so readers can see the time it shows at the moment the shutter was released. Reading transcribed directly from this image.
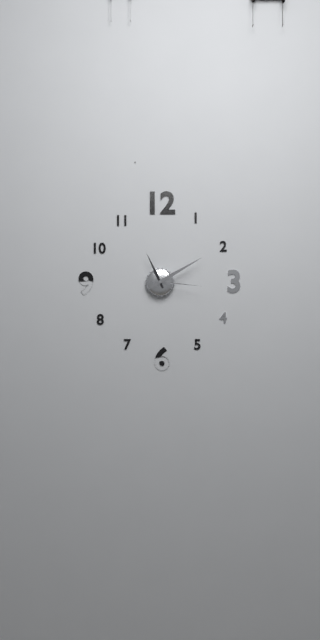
11:10:16
